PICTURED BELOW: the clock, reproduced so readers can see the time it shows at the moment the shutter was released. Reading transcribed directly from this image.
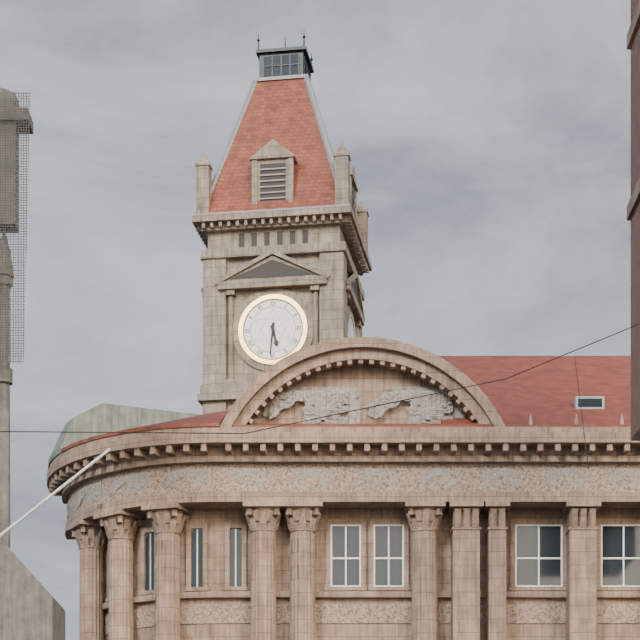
5:31
